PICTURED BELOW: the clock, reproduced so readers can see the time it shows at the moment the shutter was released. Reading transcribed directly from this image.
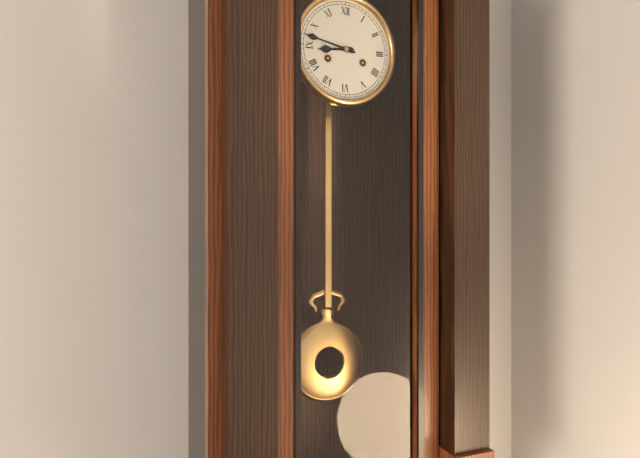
8:47
